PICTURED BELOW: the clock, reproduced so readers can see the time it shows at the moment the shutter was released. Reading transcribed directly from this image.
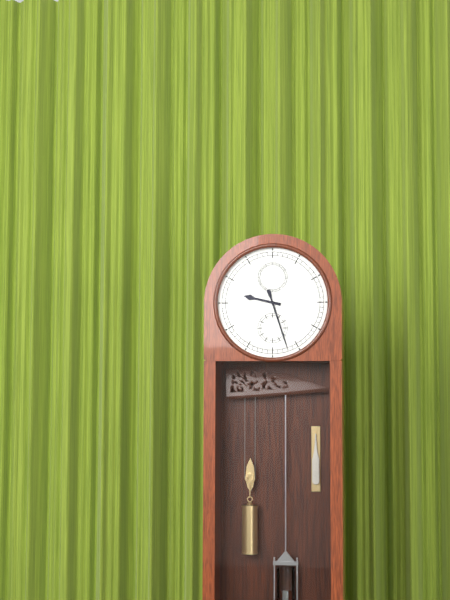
9:27
